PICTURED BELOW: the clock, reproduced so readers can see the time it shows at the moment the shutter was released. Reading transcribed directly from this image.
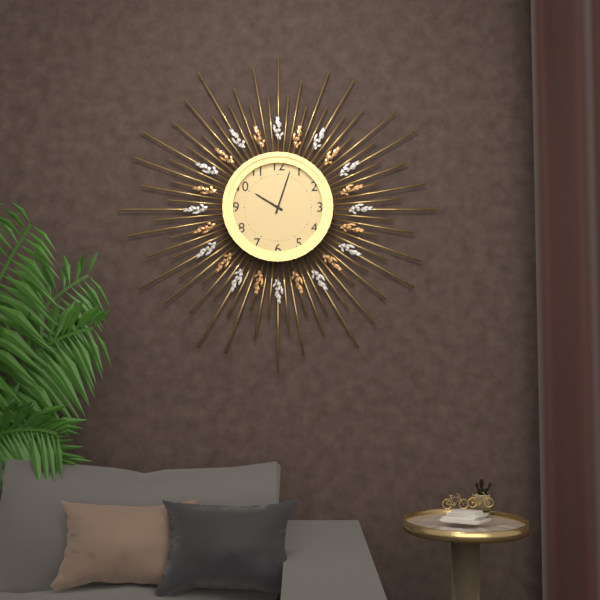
10:03
